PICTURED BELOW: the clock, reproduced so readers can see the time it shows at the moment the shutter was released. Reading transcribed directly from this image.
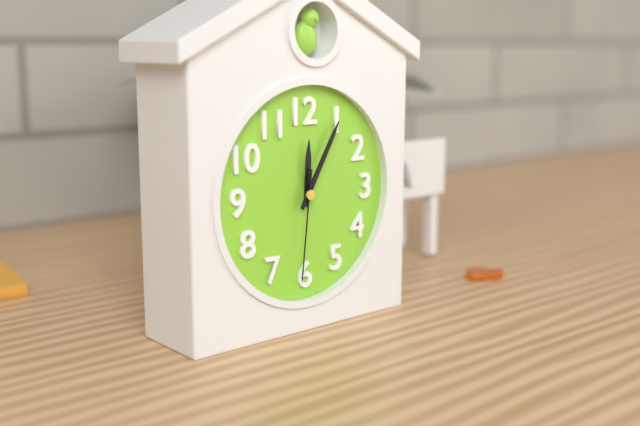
12:05:31
